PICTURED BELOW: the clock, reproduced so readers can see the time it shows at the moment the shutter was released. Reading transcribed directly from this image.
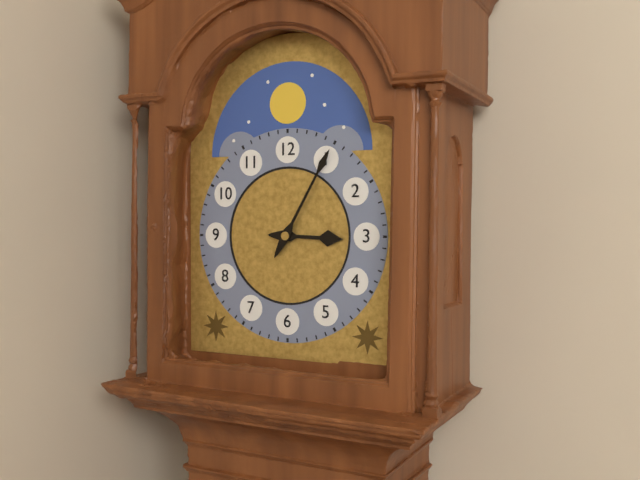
3:05
